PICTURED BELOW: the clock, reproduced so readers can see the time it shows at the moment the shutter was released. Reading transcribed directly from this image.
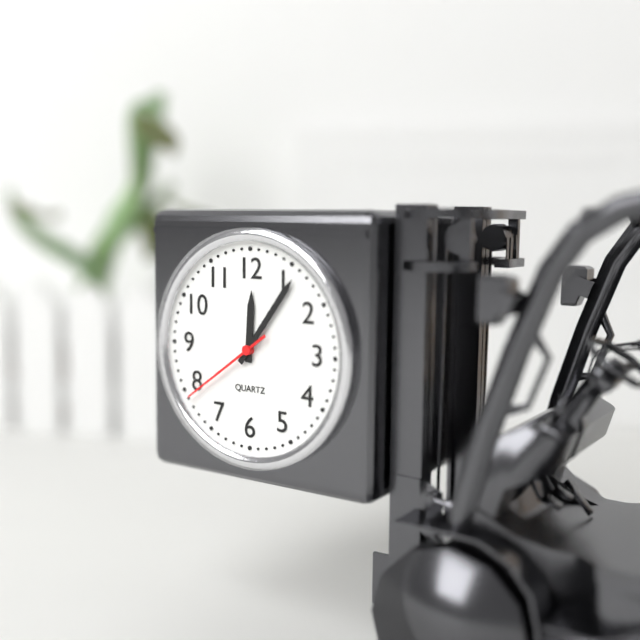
12:06:39
